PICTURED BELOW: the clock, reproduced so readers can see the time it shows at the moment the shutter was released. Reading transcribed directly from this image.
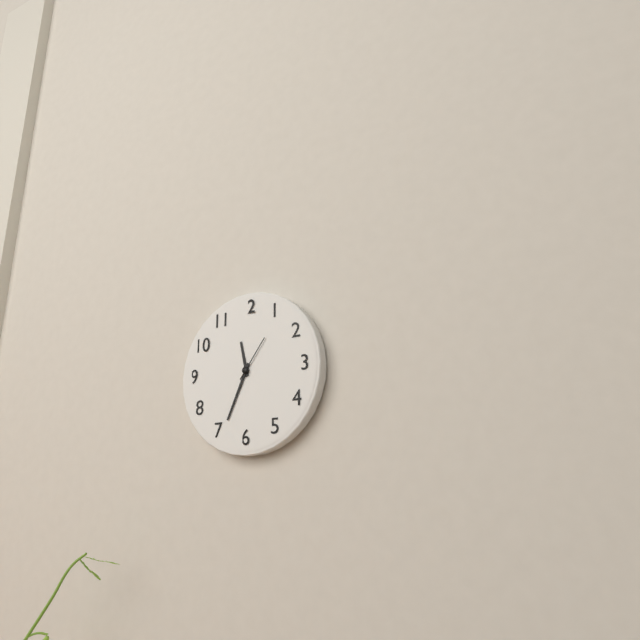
11:34
